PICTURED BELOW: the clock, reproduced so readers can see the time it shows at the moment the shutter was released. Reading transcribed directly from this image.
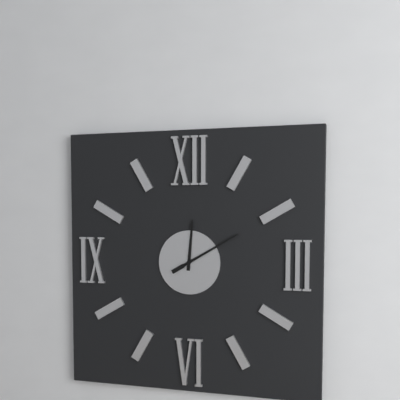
12:10
